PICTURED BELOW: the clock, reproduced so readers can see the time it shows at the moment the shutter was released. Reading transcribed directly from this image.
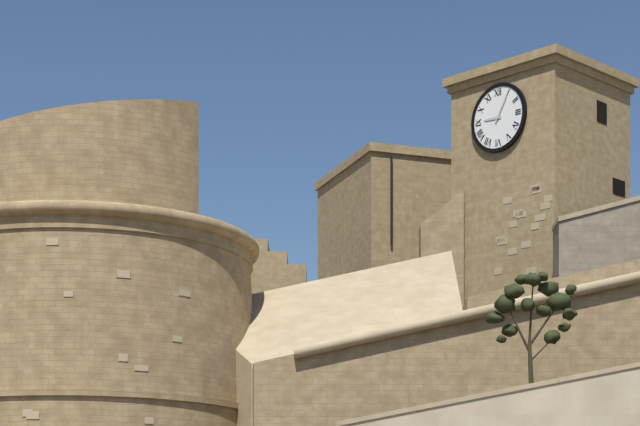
9:05
